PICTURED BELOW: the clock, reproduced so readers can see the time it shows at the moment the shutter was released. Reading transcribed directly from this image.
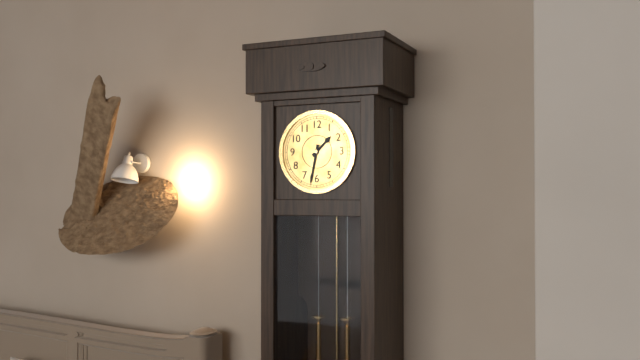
1:32
